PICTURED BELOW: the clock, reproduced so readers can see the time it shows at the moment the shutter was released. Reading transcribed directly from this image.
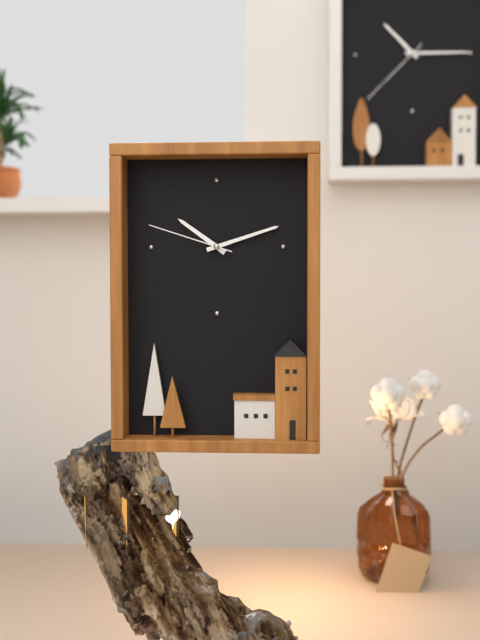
10:12:48
